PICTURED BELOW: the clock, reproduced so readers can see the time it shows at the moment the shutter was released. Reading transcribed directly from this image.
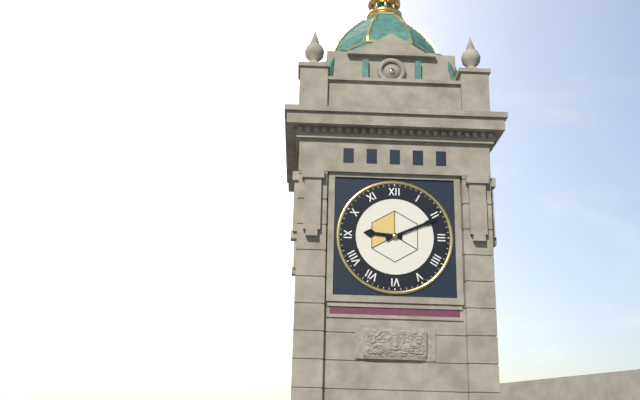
9:11
